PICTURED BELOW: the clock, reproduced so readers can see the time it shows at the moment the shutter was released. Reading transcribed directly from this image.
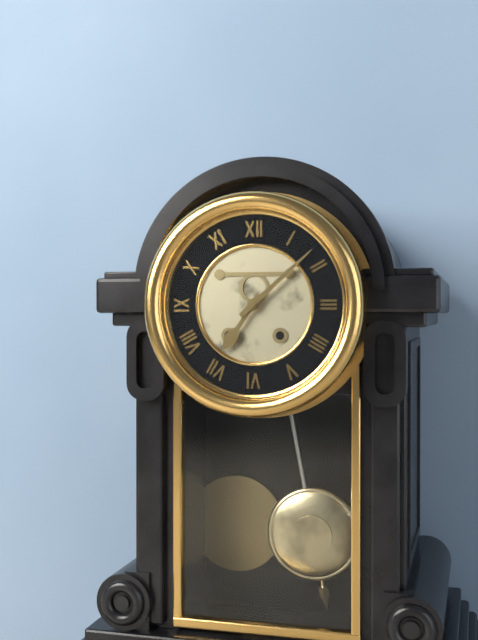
7:08
